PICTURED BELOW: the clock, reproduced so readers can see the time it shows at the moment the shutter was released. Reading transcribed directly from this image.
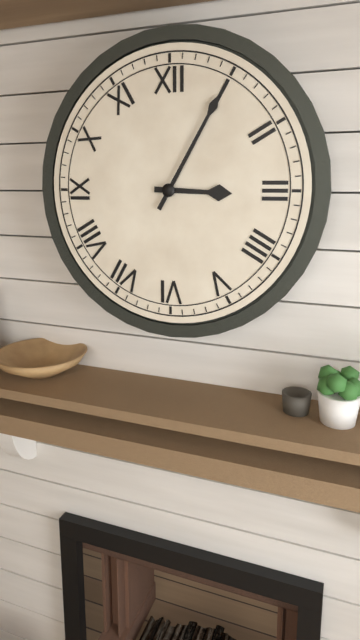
3:05
